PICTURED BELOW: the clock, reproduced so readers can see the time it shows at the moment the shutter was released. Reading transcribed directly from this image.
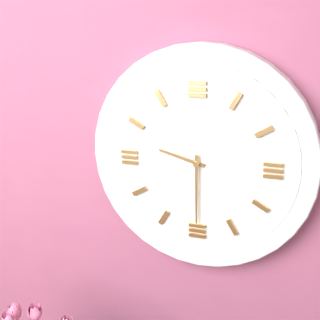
9:30
